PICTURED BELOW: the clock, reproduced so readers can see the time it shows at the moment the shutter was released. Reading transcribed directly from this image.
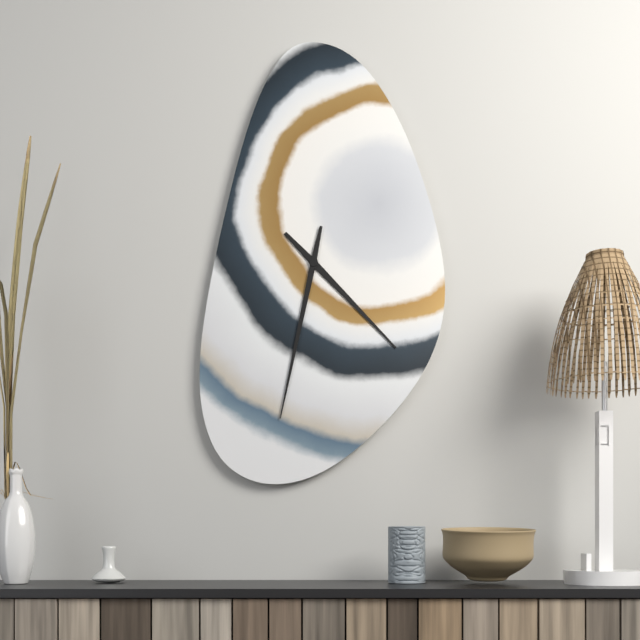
4:32
